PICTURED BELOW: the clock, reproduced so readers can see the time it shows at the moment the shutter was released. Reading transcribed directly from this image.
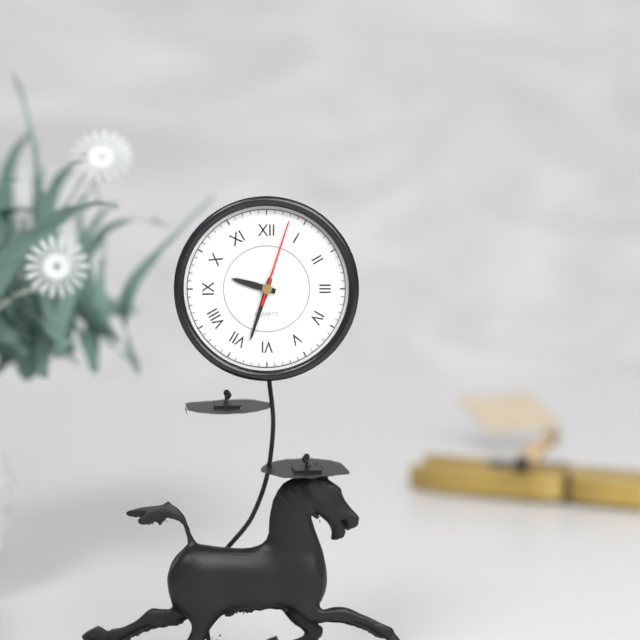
9:33:03
